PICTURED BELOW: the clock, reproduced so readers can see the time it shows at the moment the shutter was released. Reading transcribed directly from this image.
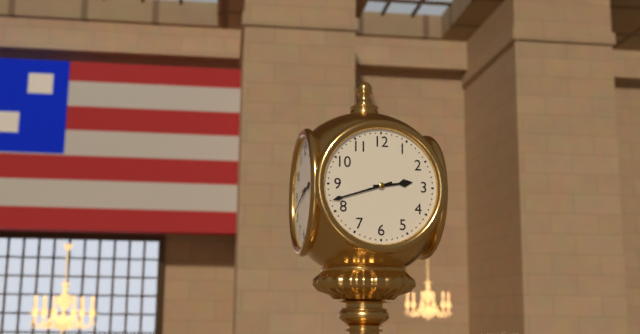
2:42
